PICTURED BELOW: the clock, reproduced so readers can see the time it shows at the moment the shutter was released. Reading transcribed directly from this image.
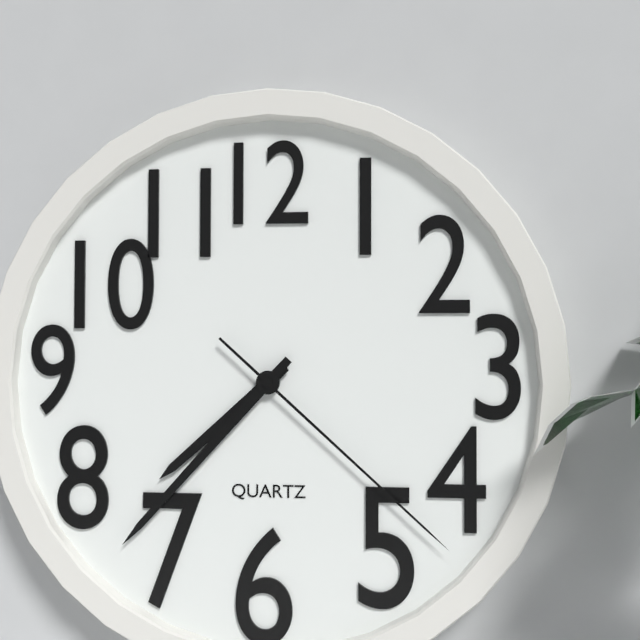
7:37:22
